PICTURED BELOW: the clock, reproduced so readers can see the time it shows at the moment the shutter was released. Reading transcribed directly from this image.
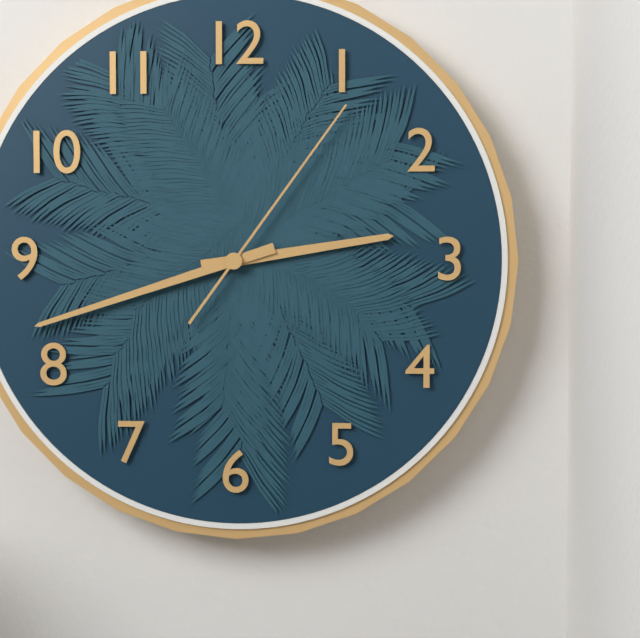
2:42:06
